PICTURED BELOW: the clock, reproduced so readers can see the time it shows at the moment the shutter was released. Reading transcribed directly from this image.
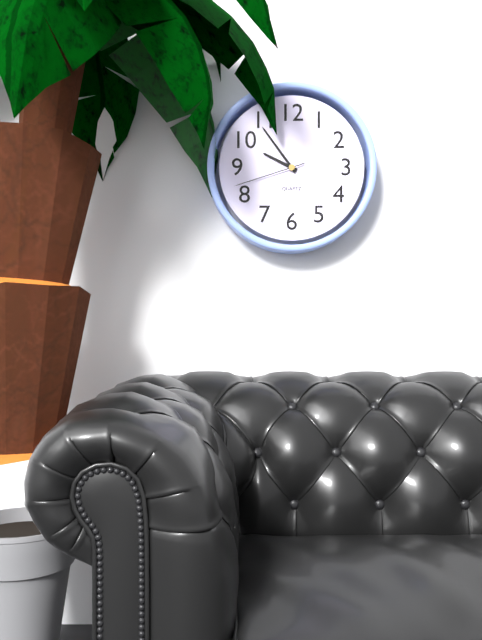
9:54:42
